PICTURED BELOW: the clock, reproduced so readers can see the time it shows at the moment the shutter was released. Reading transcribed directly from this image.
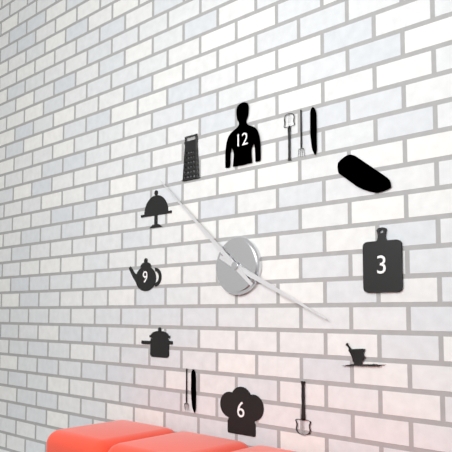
3:52
